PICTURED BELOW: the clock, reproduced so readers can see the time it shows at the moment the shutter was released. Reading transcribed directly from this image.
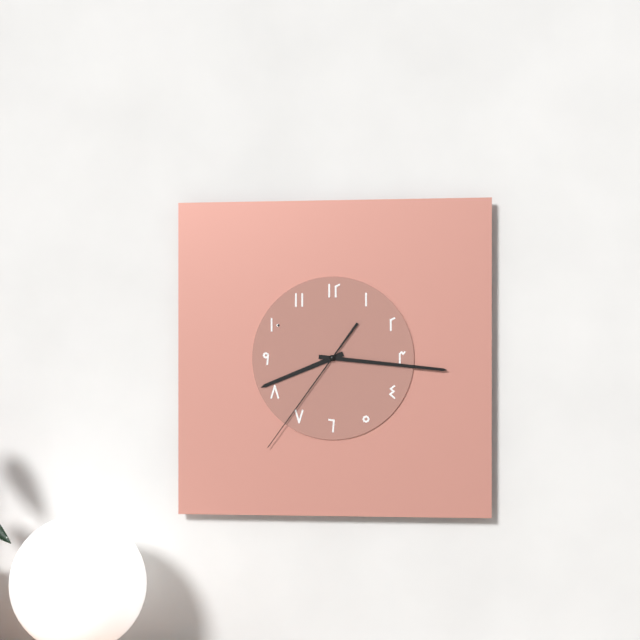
8:16:36
